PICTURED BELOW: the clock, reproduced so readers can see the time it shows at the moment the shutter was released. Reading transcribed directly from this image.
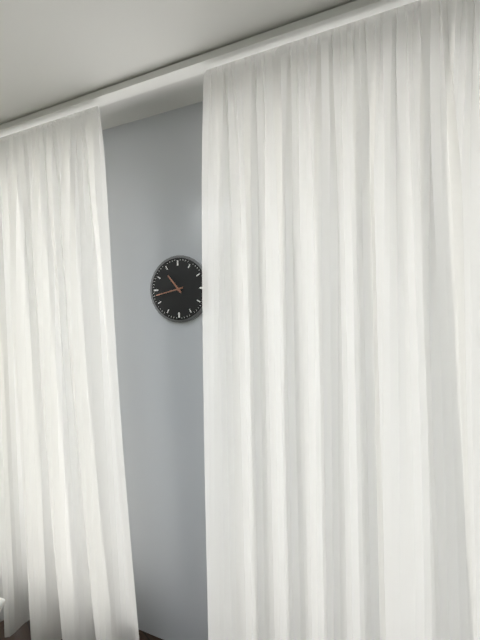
10:43
